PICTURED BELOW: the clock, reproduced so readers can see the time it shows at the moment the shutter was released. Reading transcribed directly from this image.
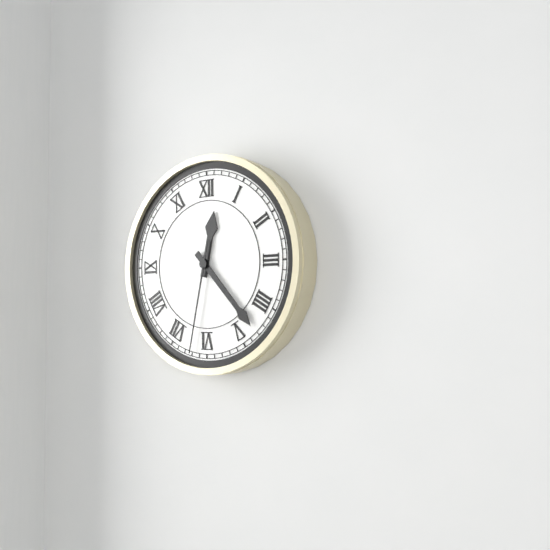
12:23:32
